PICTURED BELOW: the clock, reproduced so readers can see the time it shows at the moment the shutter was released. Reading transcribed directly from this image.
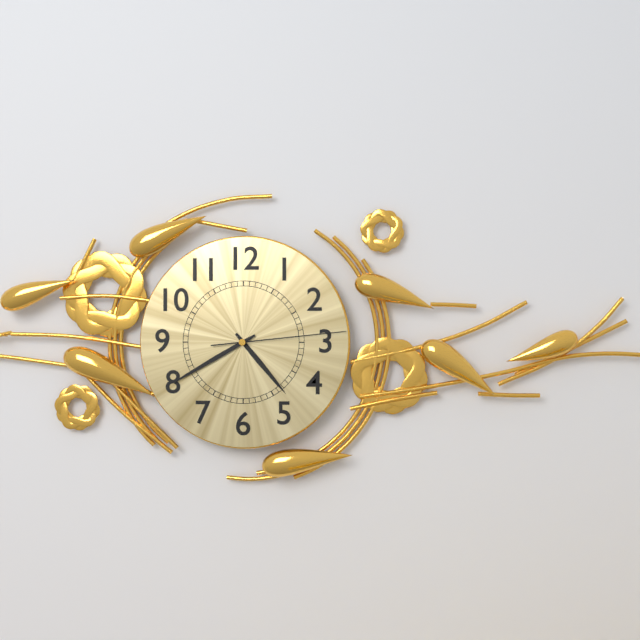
4:40:14
